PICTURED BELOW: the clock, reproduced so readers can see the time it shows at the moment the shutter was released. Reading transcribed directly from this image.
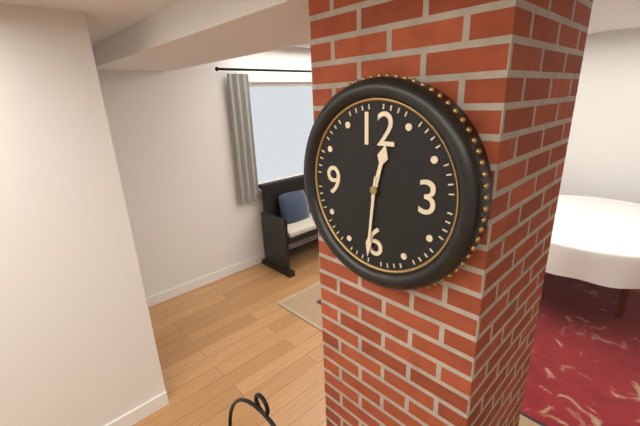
12:31
